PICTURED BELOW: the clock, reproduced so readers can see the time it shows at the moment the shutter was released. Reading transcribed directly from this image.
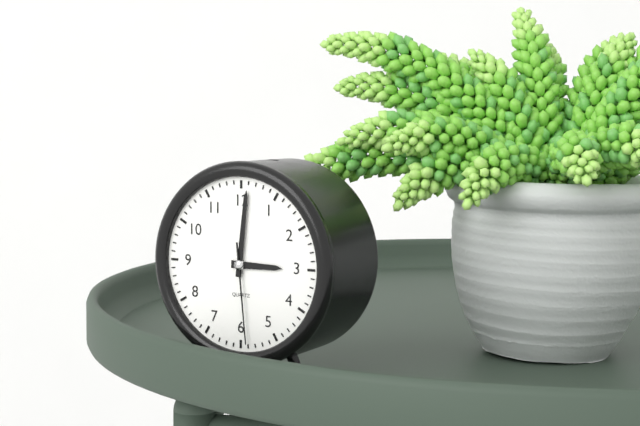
3:01:29
